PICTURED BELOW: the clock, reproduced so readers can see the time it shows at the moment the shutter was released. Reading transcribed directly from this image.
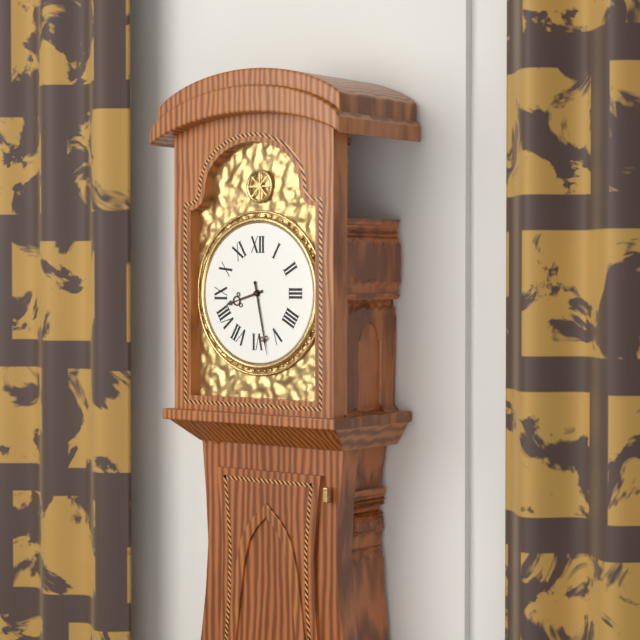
8:28
